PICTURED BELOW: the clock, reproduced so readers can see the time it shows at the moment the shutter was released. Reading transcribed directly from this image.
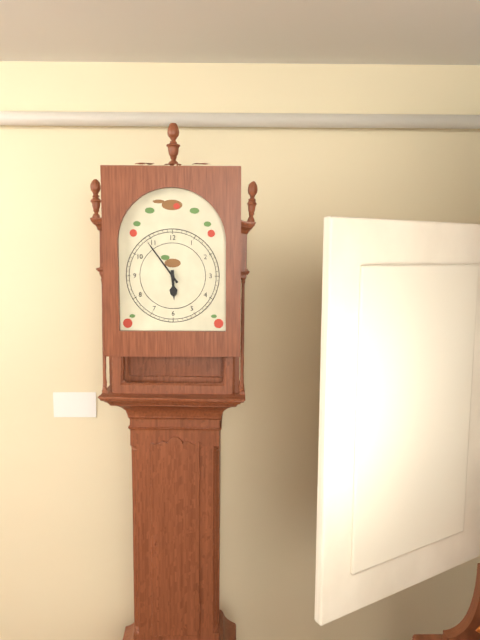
5:54
